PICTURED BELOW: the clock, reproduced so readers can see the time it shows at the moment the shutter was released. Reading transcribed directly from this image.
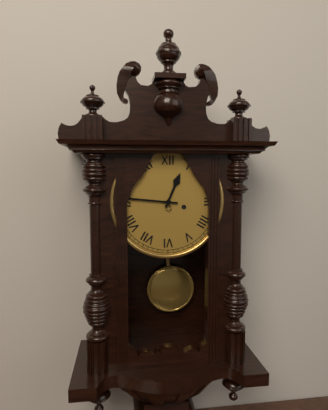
12:46
